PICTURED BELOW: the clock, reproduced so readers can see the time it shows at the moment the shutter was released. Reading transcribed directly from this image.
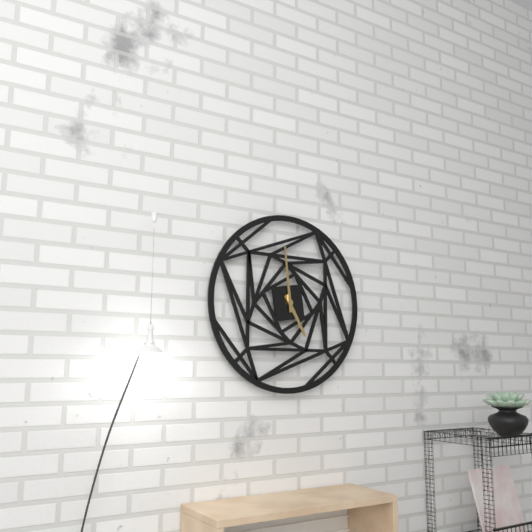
4:59
